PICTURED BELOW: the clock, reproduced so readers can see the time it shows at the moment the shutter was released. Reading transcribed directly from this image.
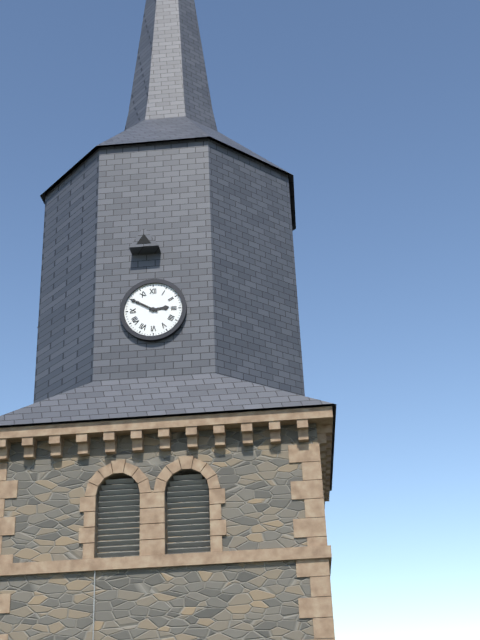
2:50
